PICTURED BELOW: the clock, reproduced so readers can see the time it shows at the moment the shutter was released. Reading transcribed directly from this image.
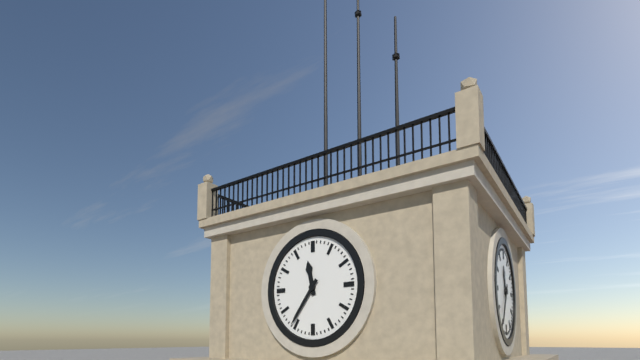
11:36
